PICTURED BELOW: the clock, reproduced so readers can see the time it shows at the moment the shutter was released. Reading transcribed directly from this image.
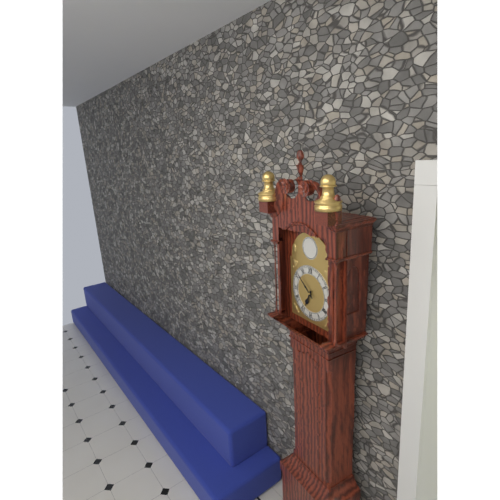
6:52
